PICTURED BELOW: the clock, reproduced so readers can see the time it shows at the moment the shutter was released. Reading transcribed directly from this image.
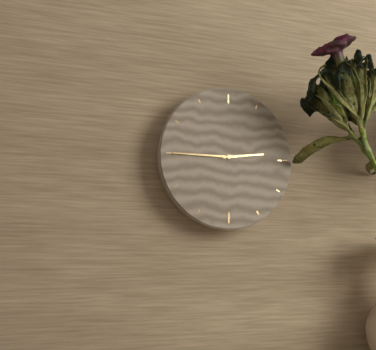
2:45
